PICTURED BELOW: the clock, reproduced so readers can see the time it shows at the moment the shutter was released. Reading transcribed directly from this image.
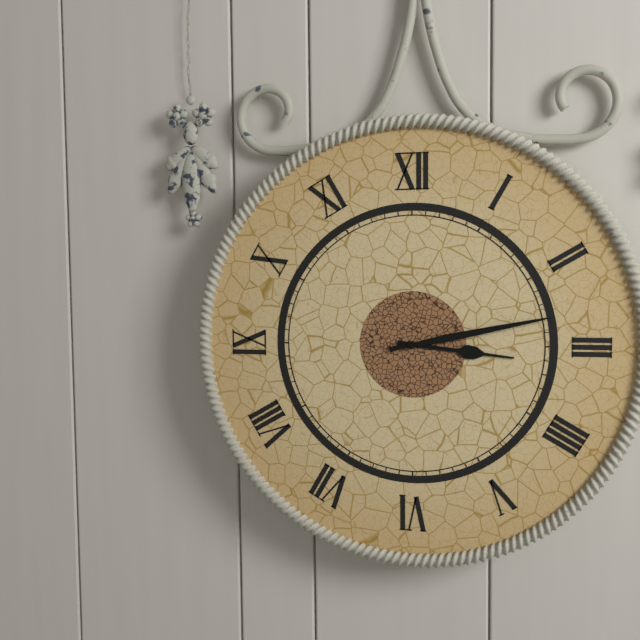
3:13
